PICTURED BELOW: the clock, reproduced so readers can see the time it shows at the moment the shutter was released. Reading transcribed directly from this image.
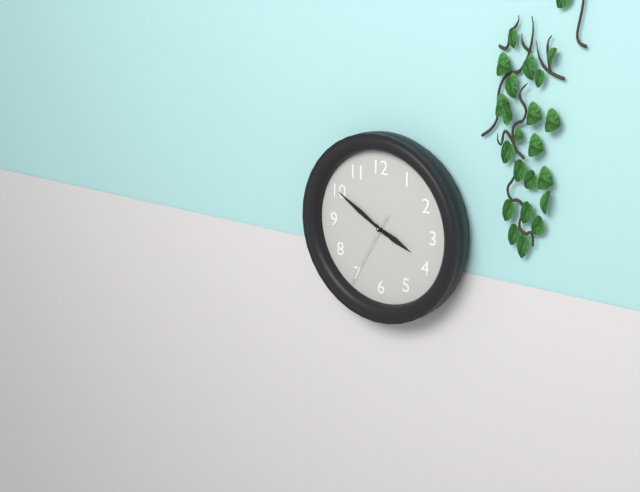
3:50:35
